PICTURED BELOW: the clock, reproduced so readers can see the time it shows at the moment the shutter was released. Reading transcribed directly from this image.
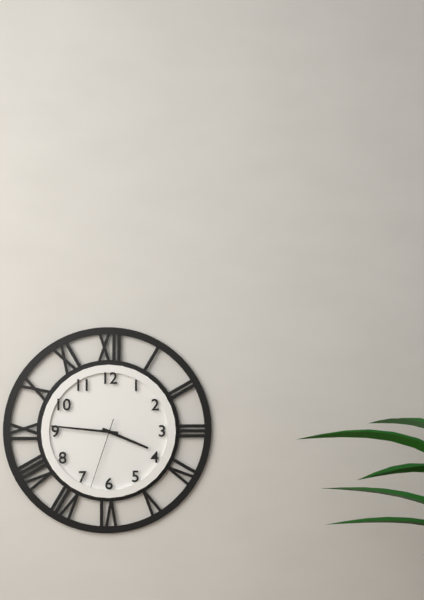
3:46:33
